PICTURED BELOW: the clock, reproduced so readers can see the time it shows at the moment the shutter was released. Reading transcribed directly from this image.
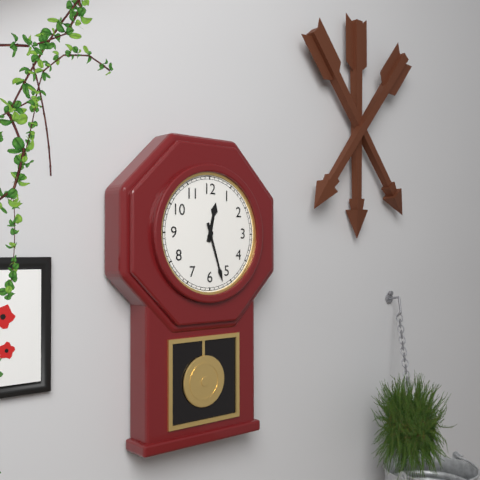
12:27
